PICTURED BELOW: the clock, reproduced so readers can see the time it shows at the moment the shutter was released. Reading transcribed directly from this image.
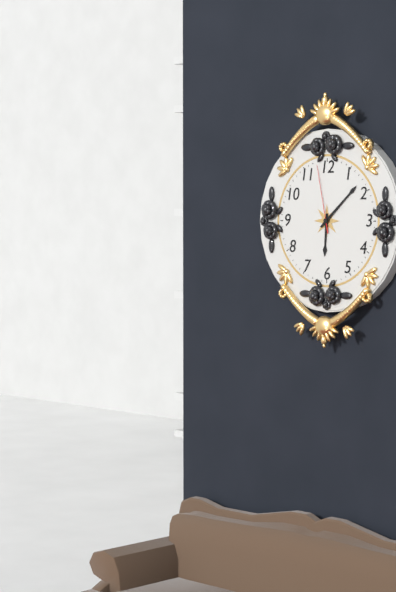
6:08:58
